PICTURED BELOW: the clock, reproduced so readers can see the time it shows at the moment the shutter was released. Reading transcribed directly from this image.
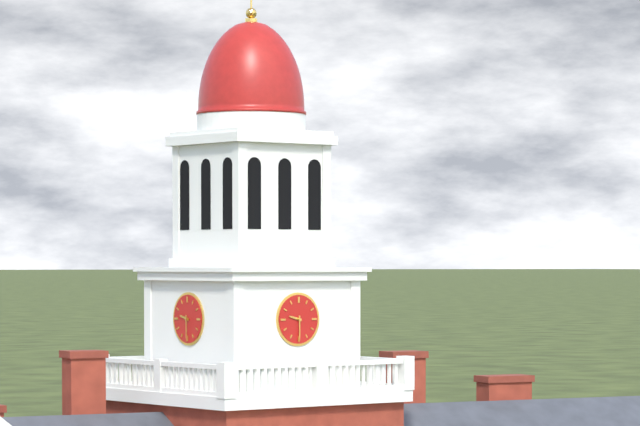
9:30
